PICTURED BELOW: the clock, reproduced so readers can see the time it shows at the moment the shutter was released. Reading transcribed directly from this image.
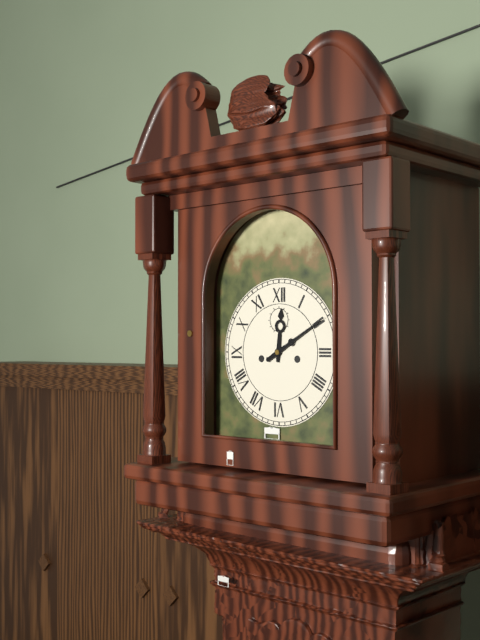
12:10
